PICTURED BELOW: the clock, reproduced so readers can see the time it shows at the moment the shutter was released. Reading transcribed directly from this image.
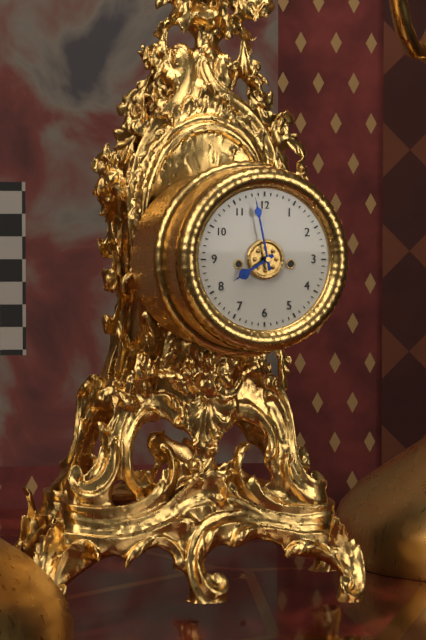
7:58
